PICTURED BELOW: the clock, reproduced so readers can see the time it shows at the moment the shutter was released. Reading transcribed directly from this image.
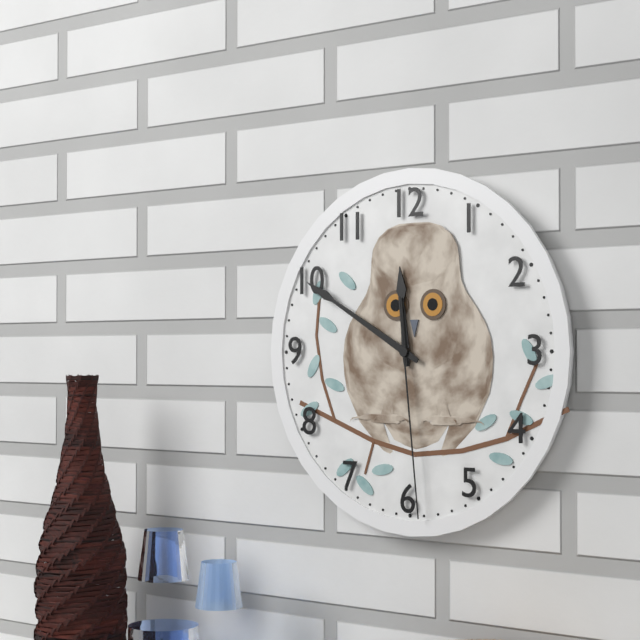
11:50:29
